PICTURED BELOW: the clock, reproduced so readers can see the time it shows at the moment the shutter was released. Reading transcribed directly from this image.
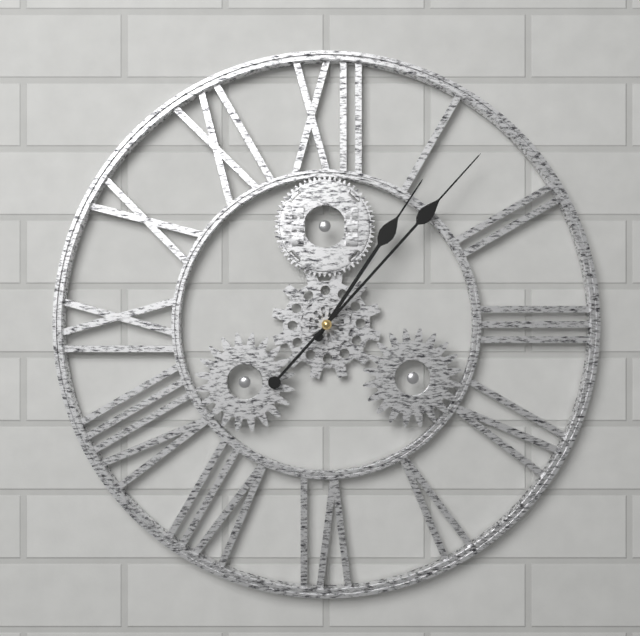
1:07
